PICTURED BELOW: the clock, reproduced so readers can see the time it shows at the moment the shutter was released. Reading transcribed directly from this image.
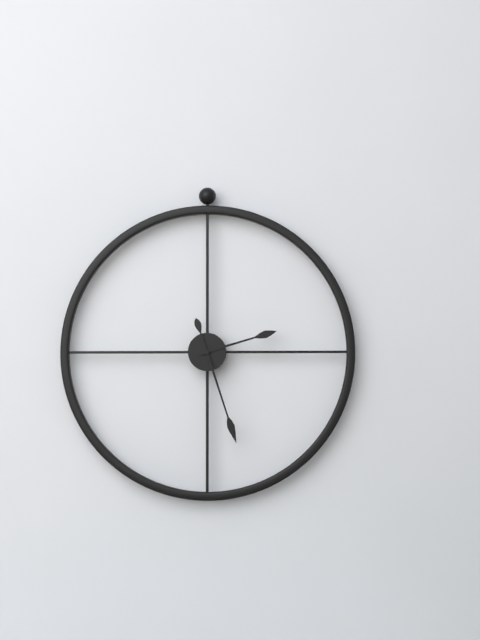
2:27
